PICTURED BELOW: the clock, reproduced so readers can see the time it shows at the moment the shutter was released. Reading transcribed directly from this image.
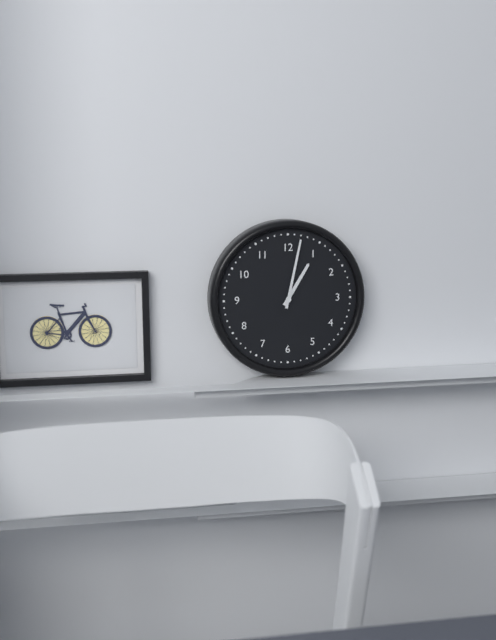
1:02
